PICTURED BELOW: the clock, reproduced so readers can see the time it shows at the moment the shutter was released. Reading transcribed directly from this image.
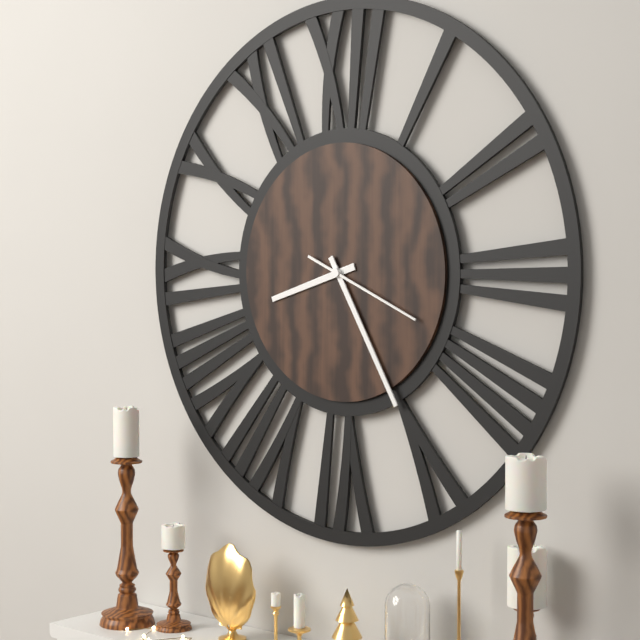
8:25:19
